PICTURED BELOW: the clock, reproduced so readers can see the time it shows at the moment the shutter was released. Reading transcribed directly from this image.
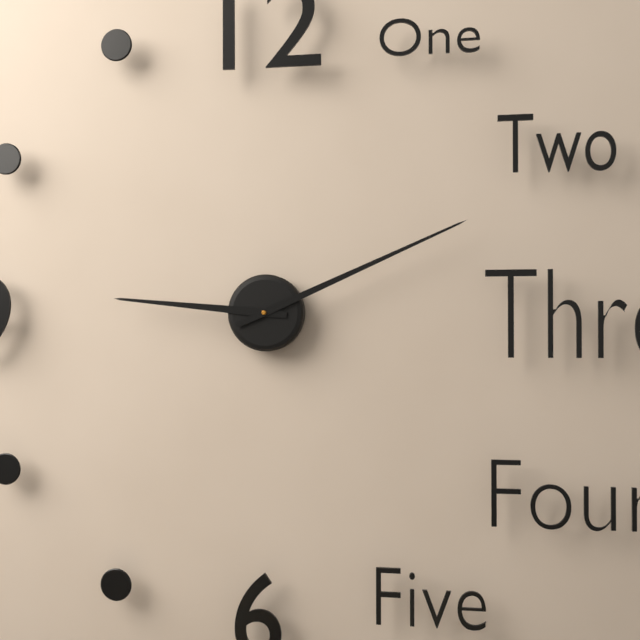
9:11
